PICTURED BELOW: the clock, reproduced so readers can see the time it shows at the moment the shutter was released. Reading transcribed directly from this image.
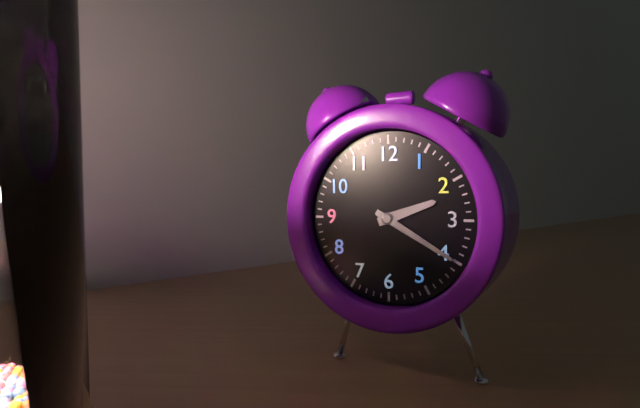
2:20
